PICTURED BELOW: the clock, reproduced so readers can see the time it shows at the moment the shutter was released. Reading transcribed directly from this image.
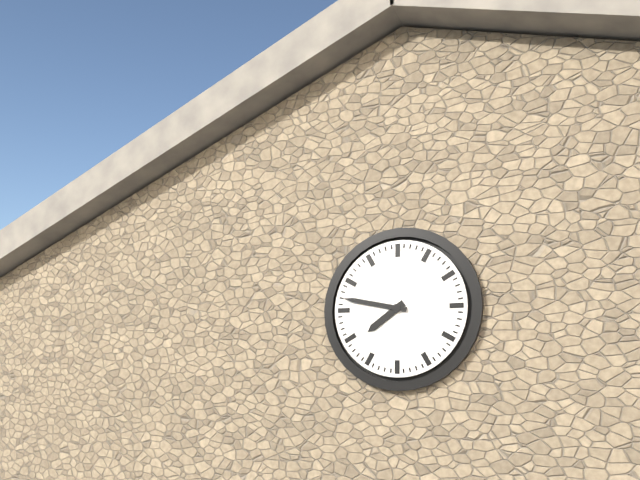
7:47
